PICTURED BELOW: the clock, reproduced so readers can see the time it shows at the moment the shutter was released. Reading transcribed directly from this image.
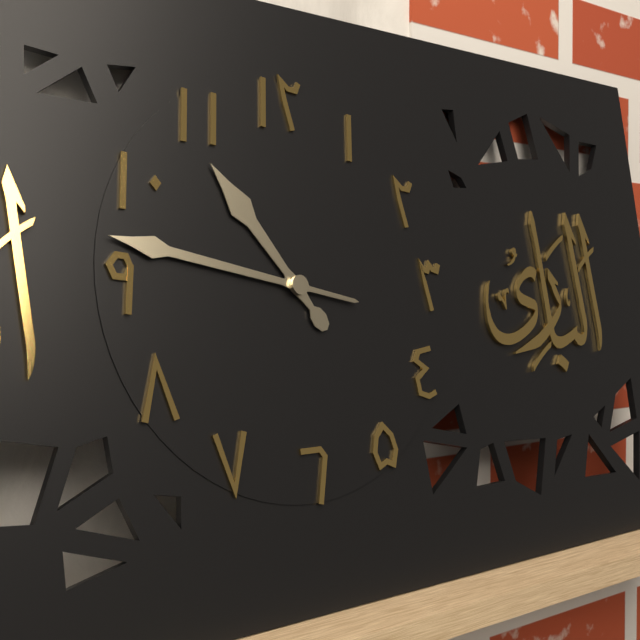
10:47
